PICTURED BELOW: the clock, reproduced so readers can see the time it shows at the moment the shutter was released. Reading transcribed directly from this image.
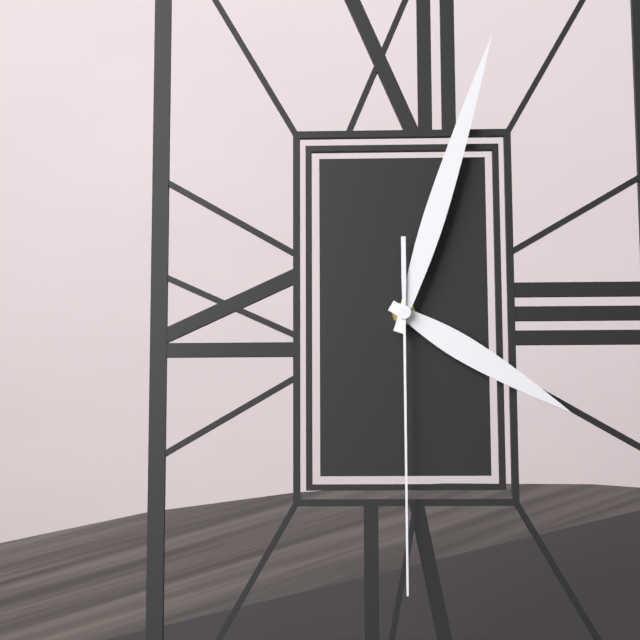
4:03:30
